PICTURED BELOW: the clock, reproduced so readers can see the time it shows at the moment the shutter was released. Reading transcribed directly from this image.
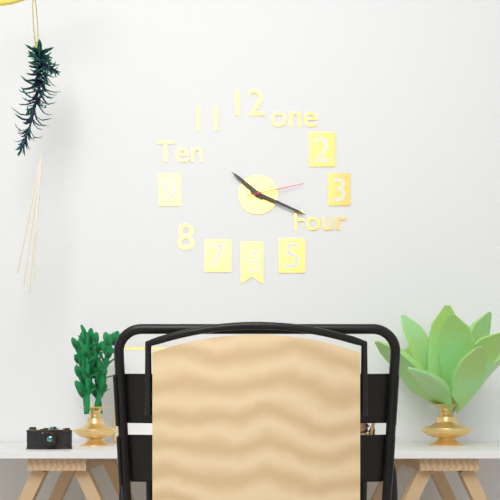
10:19:13
